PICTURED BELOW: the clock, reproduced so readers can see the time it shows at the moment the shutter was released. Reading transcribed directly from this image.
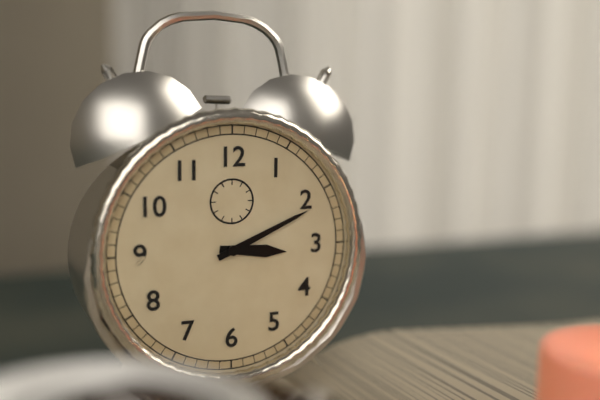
3:11
